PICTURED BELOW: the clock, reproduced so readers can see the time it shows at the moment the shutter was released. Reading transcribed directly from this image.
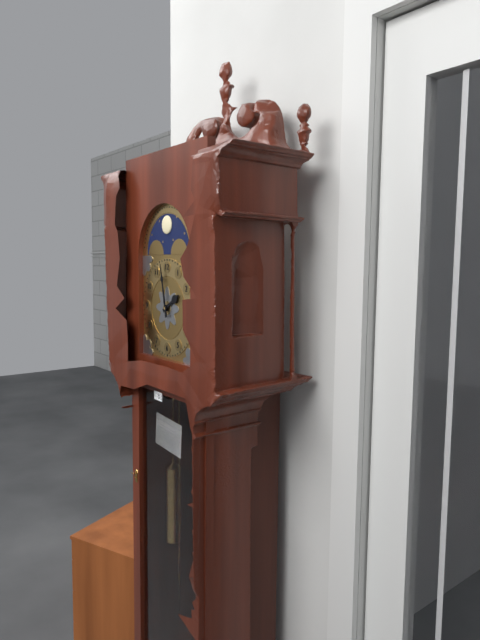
1:58
